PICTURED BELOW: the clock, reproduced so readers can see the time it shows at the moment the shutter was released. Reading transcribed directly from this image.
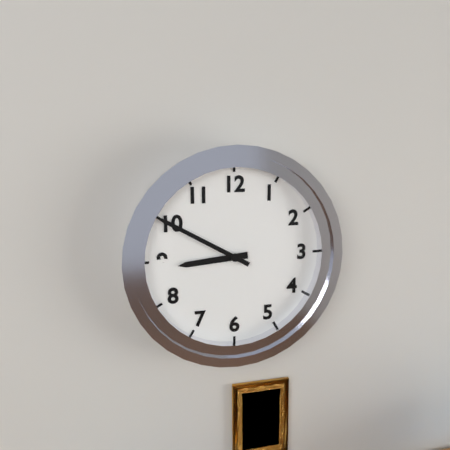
8:50
